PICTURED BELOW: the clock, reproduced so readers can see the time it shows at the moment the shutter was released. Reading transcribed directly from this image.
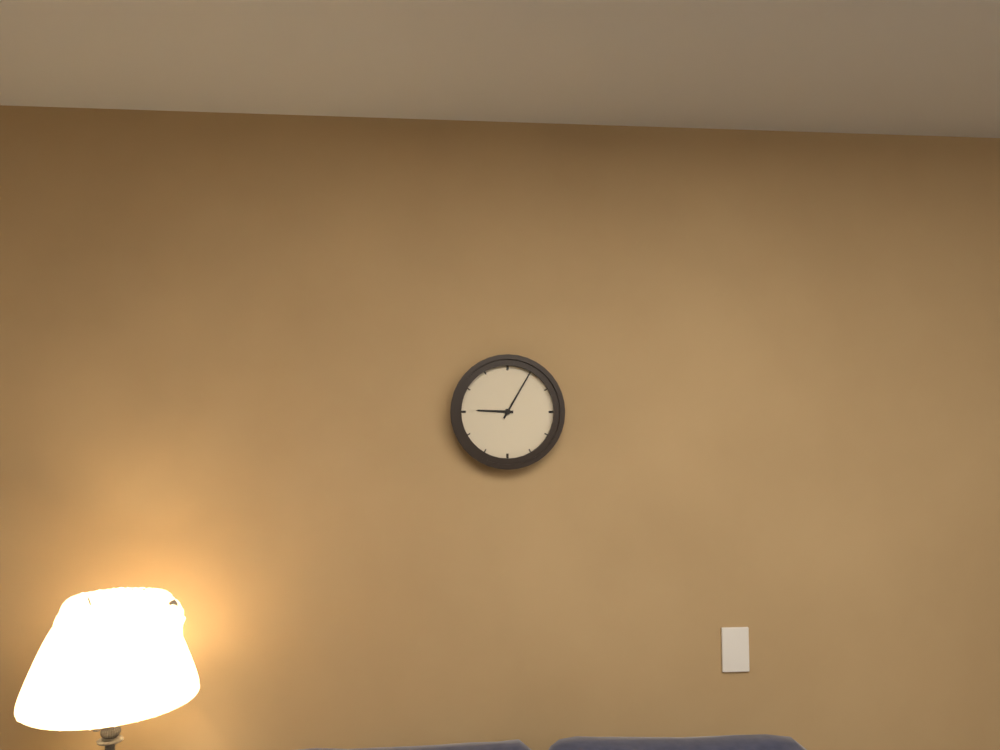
9:05
